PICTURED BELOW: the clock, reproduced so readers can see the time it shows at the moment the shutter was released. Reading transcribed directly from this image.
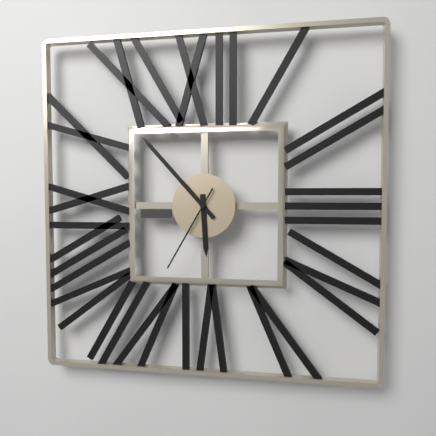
5:53:35
